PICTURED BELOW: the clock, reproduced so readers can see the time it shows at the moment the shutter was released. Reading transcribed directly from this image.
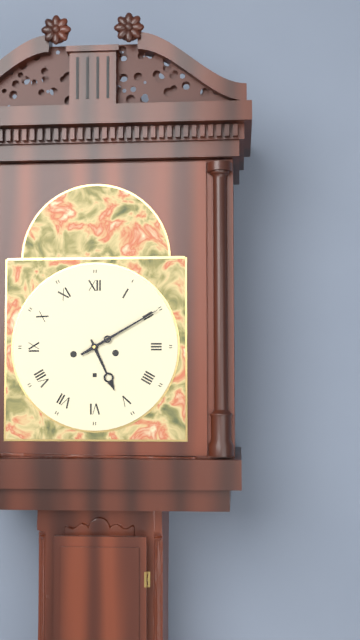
5:10
